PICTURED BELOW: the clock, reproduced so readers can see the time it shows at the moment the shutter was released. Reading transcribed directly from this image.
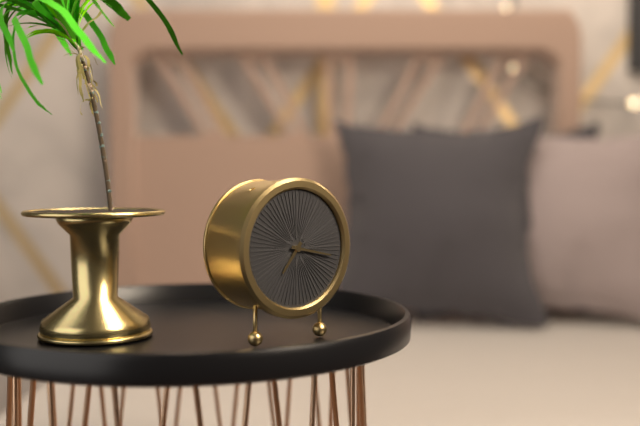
7:17
